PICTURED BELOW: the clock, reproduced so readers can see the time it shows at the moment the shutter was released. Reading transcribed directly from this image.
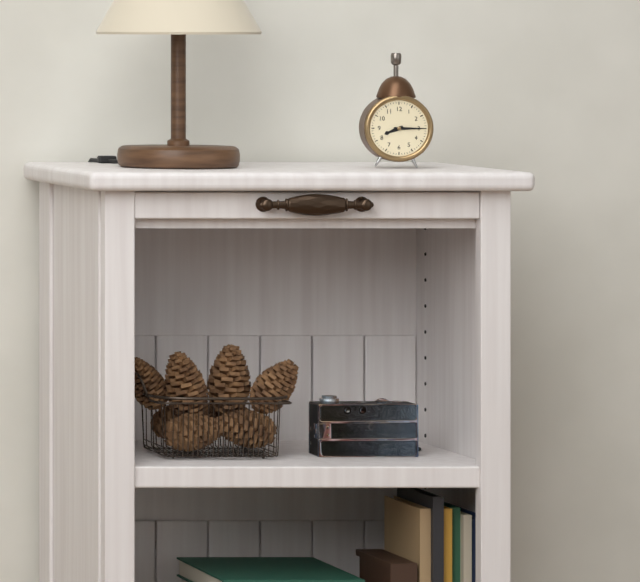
8:15
